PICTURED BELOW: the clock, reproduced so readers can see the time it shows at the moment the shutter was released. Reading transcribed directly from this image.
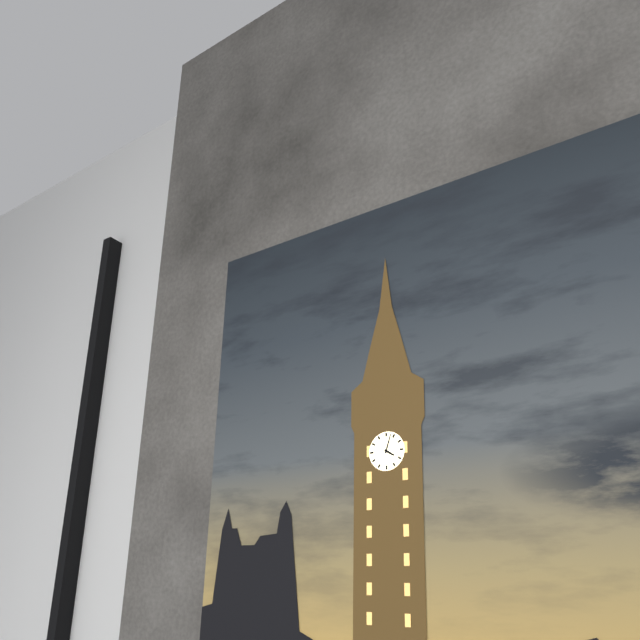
4:03
